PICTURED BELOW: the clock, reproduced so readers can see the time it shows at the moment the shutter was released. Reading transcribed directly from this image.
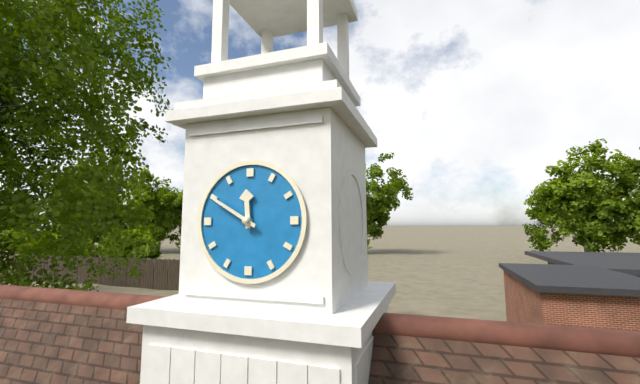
11:50
